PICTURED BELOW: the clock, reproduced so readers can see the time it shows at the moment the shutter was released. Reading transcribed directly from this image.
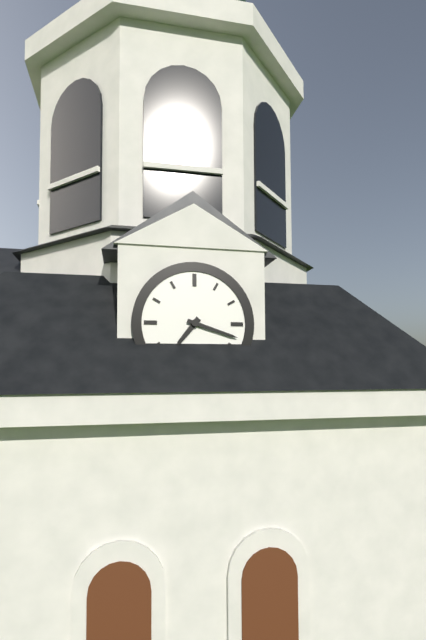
7:18
